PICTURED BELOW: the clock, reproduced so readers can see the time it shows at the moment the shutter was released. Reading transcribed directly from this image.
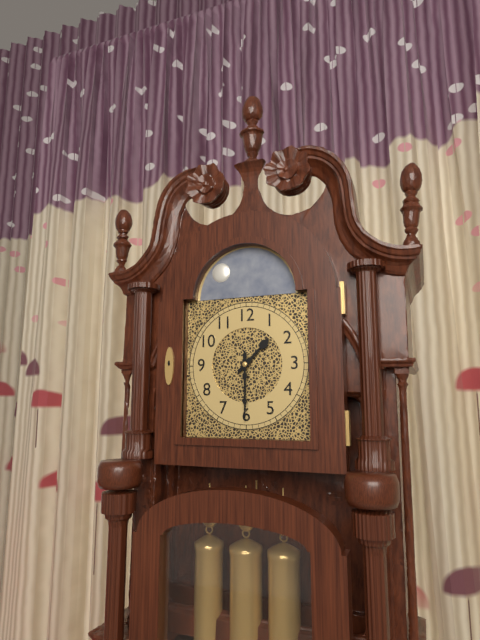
1:30
